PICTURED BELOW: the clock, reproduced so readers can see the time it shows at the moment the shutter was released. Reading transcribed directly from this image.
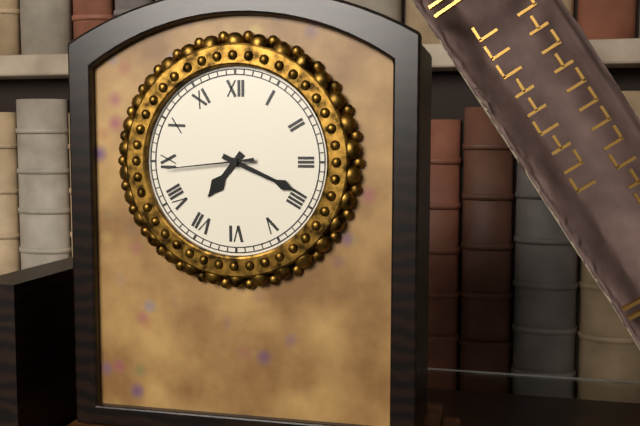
7:19:44
